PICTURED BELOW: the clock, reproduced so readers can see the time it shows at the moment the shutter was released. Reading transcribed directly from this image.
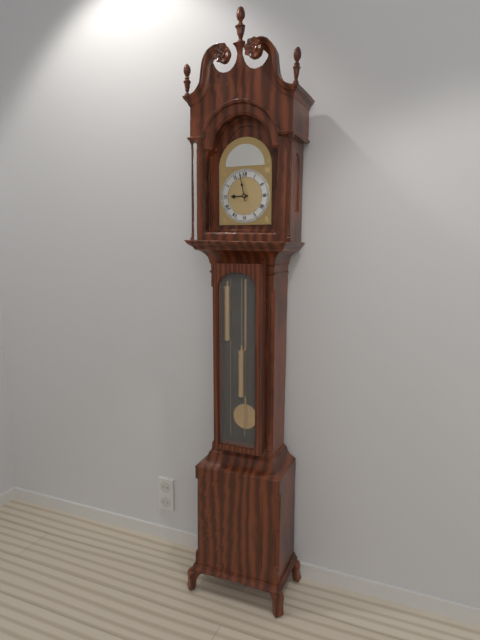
8:58
